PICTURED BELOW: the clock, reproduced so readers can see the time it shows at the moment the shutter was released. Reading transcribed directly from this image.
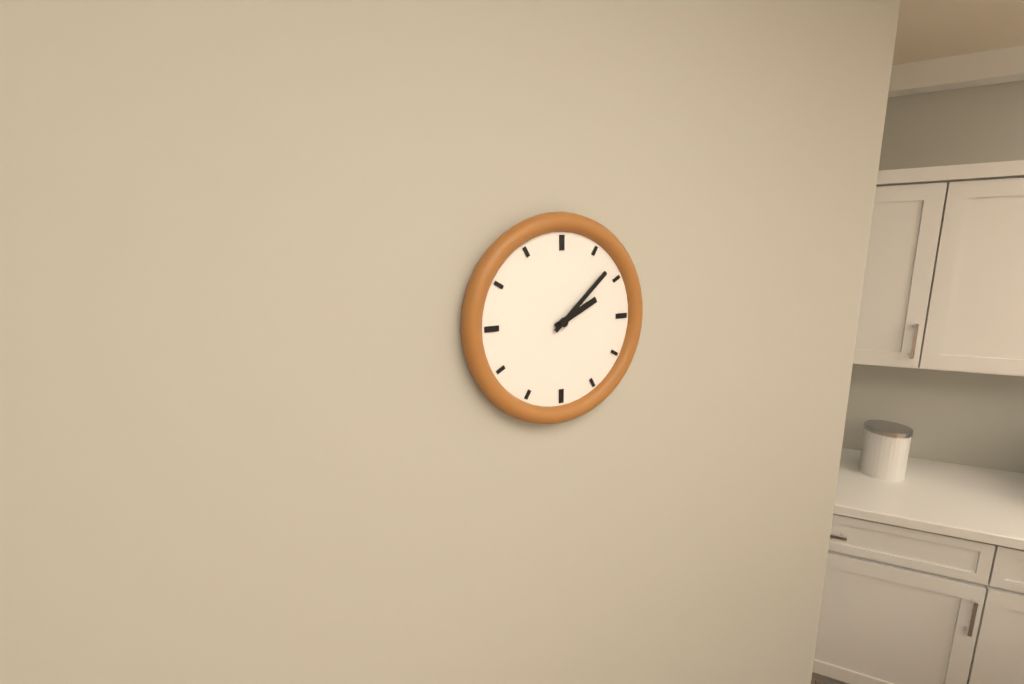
2:08
